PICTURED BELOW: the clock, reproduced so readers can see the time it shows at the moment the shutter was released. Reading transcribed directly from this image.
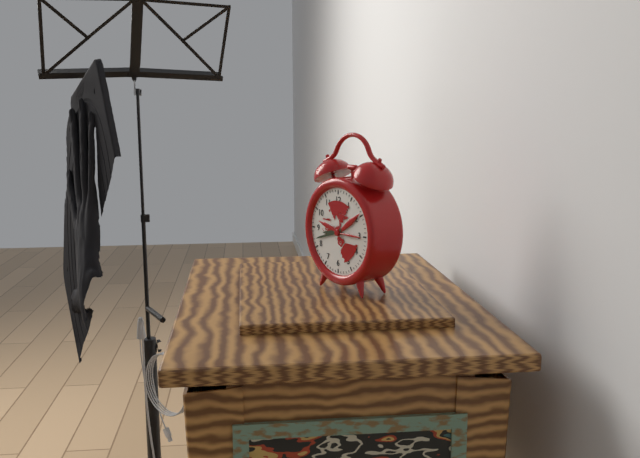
8:42
